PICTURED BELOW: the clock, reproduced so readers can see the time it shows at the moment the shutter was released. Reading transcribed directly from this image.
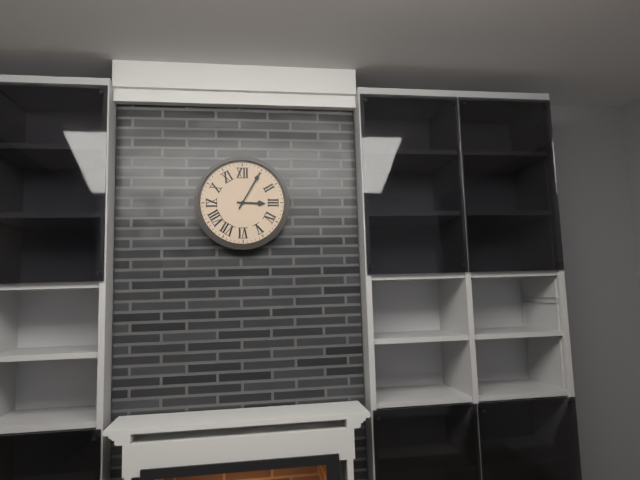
3:05
